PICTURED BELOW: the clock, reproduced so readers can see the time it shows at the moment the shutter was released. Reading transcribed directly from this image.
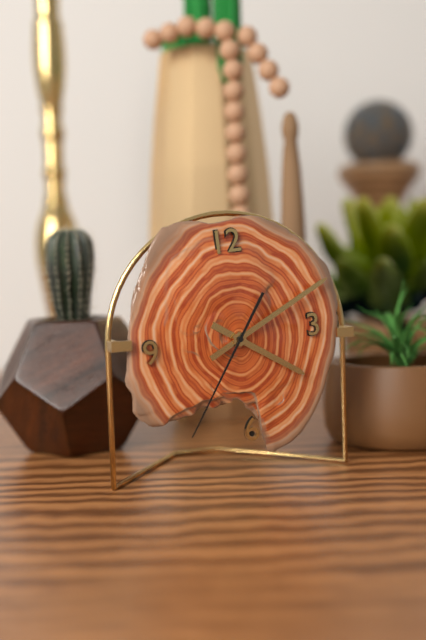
4:11:36
